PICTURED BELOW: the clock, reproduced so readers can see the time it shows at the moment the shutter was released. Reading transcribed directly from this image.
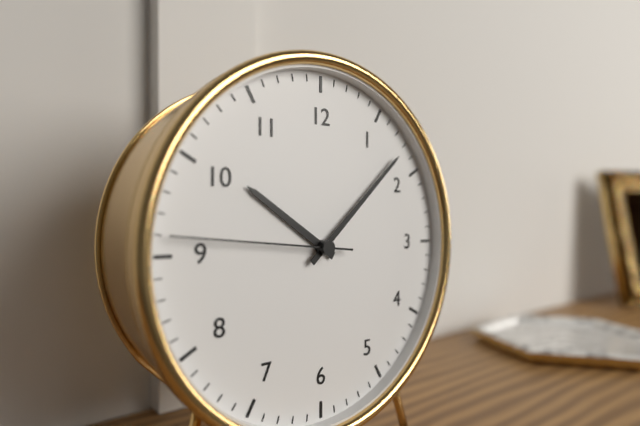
10:08:46
